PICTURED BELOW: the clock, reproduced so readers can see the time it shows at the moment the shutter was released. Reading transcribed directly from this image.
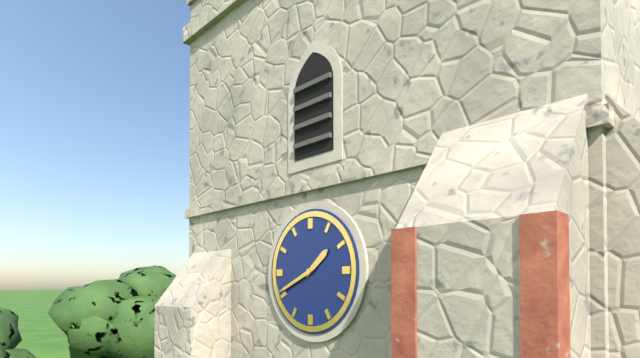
1:41
